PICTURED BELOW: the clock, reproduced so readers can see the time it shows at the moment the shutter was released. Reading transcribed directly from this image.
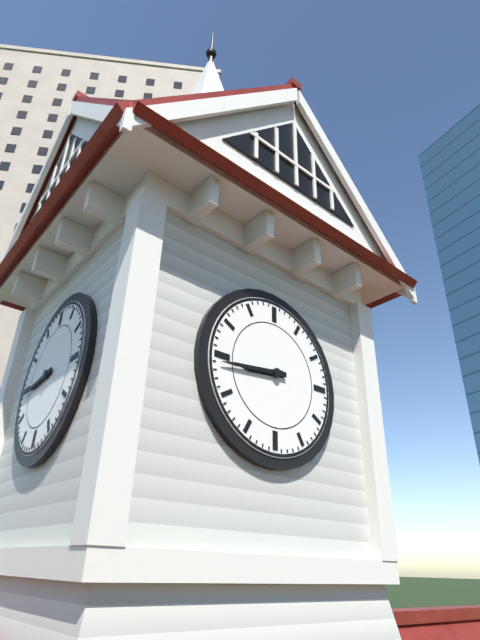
8:44
